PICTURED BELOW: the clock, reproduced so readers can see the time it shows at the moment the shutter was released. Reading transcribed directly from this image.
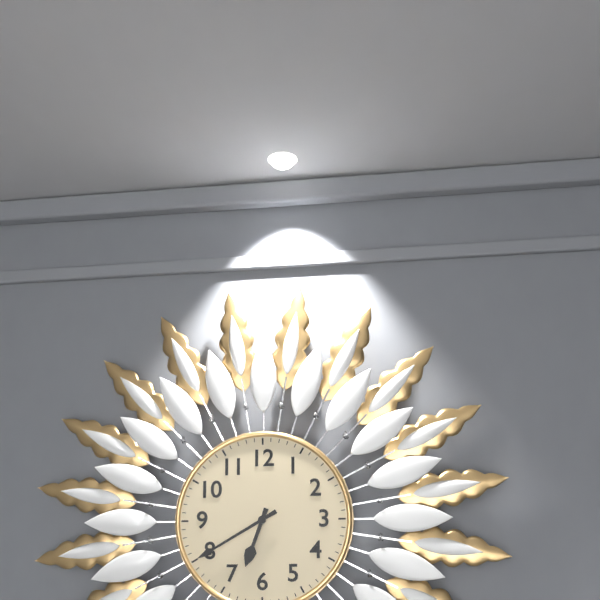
6:40
